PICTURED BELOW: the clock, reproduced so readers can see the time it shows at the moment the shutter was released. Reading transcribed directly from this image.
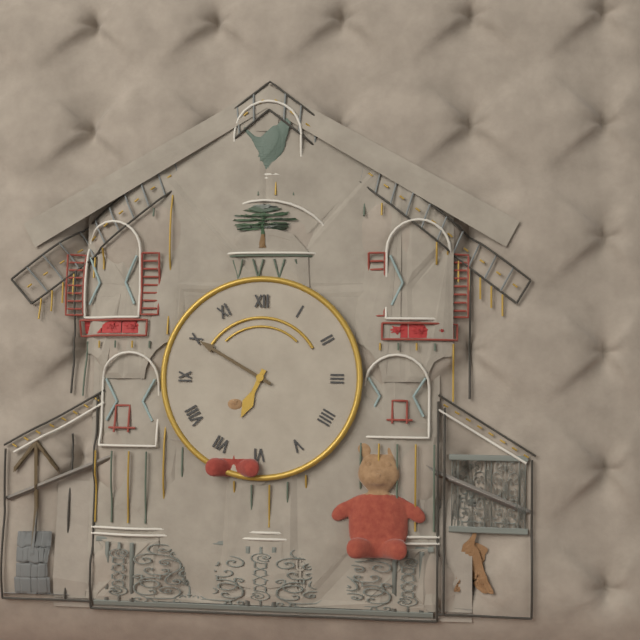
6:50
